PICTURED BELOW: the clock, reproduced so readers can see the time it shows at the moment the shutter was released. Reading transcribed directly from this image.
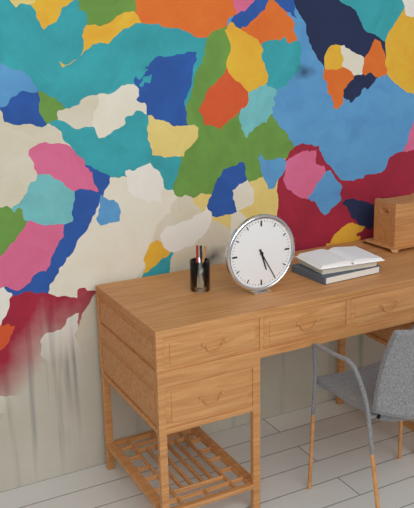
5:25
